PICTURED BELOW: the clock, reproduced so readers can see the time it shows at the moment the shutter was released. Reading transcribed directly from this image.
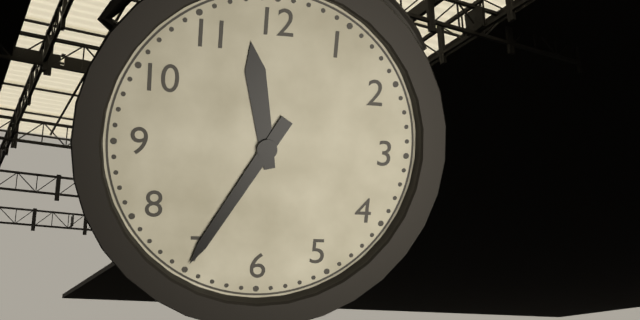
11:35
